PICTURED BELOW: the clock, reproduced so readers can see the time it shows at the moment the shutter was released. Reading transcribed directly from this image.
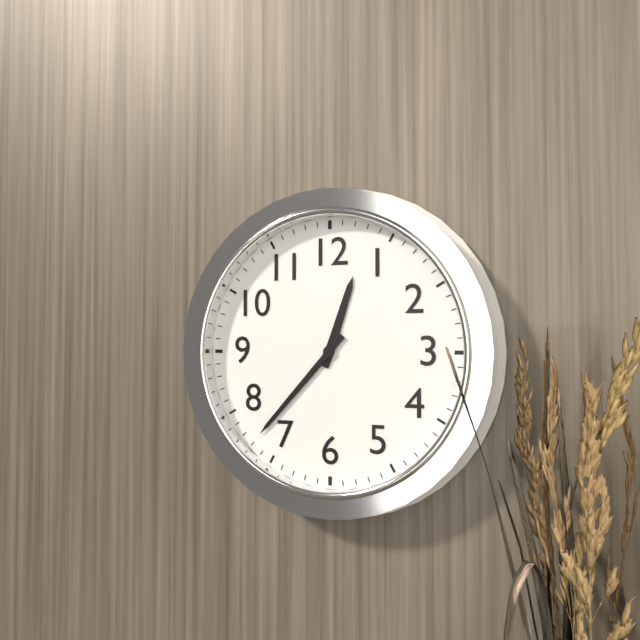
12:37
